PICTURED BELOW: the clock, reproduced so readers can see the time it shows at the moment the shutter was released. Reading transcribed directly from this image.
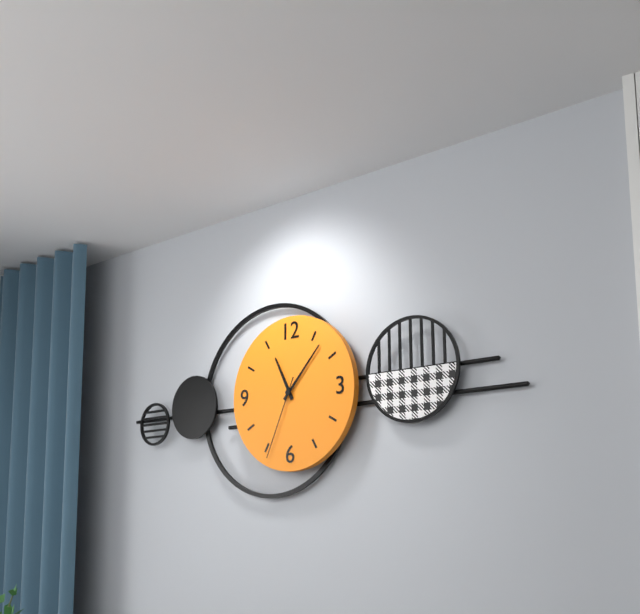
11:07:34
